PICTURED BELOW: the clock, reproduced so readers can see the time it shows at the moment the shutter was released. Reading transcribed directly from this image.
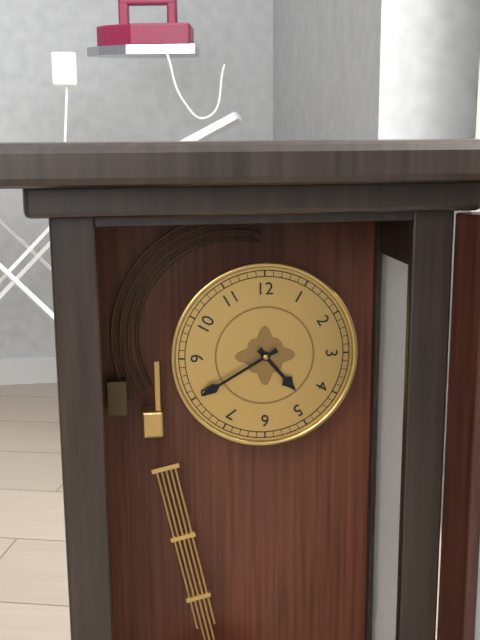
4:40
